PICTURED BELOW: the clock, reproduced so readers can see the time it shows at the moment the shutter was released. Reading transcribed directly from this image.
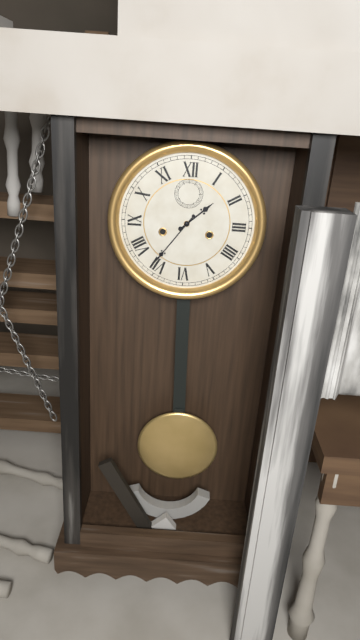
1:36
